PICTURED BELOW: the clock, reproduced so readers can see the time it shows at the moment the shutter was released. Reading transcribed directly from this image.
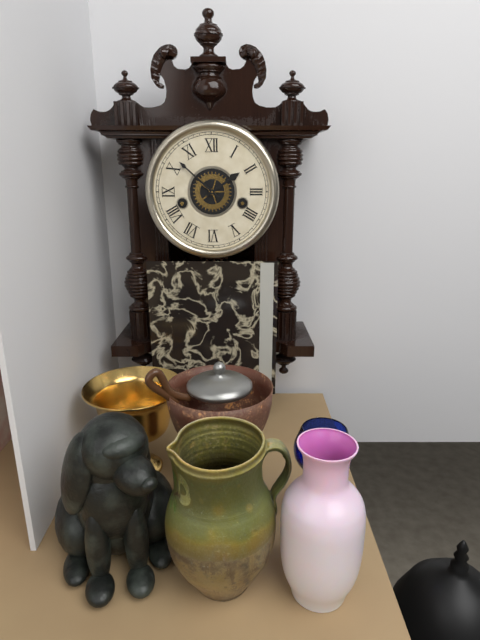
1:52
